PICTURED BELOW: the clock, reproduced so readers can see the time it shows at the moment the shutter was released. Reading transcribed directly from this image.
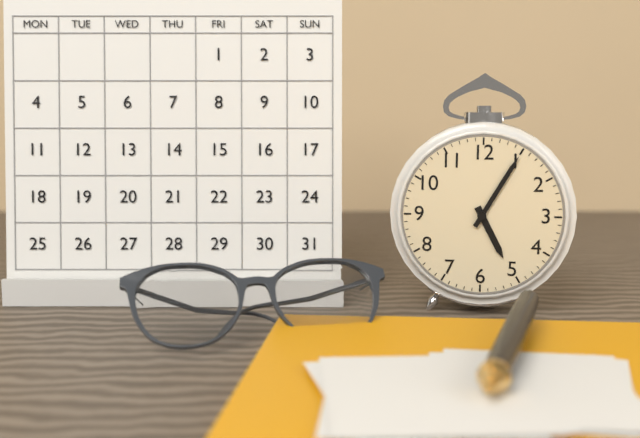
5:05
